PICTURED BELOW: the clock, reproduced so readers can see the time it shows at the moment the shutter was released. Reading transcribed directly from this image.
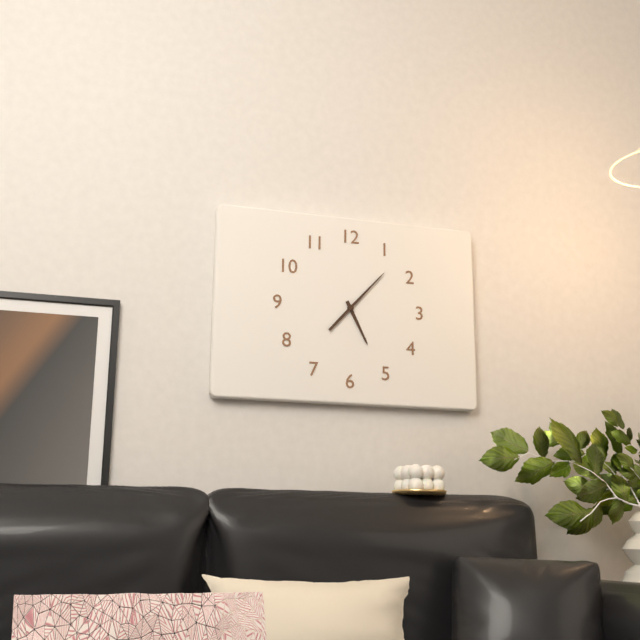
5:07
